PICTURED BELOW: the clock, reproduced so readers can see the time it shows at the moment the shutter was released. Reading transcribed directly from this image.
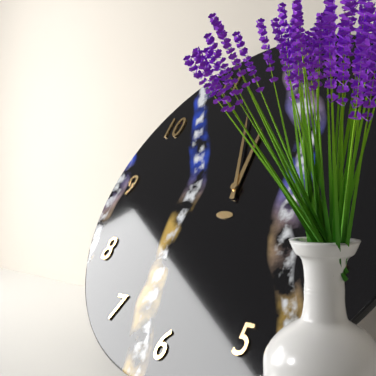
11:57
